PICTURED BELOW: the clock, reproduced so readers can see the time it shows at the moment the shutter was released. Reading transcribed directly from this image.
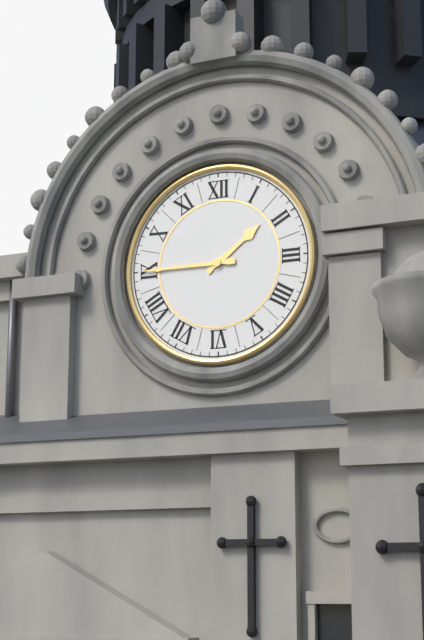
1:45
